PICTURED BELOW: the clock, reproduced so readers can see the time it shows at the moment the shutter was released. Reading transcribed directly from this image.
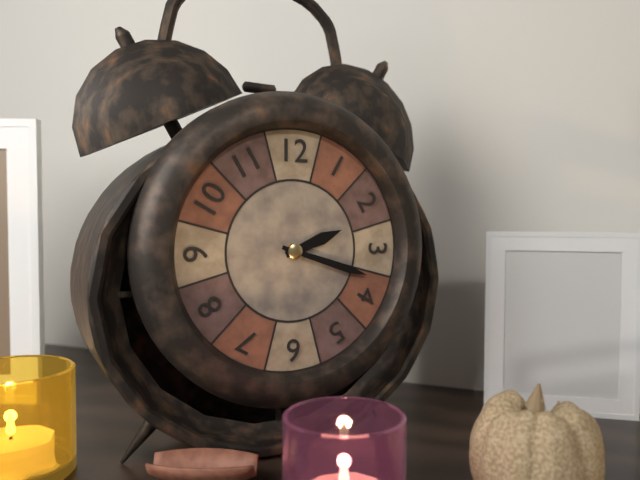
2:18
